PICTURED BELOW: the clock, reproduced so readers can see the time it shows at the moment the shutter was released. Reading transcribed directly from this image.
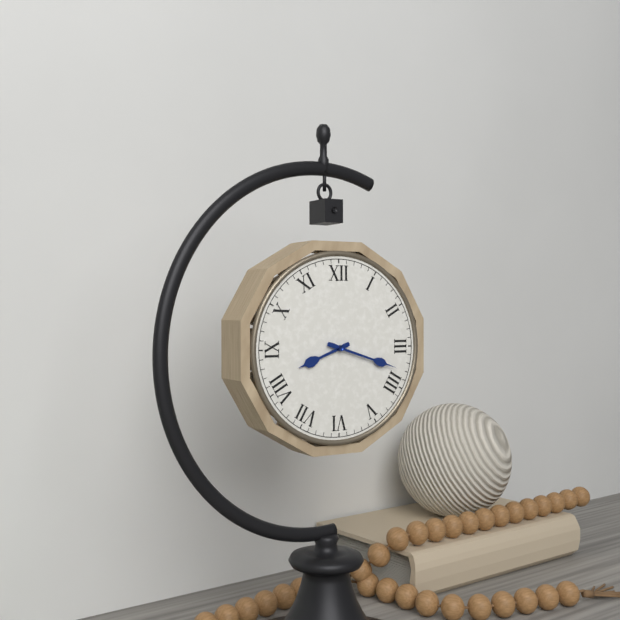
8:18
